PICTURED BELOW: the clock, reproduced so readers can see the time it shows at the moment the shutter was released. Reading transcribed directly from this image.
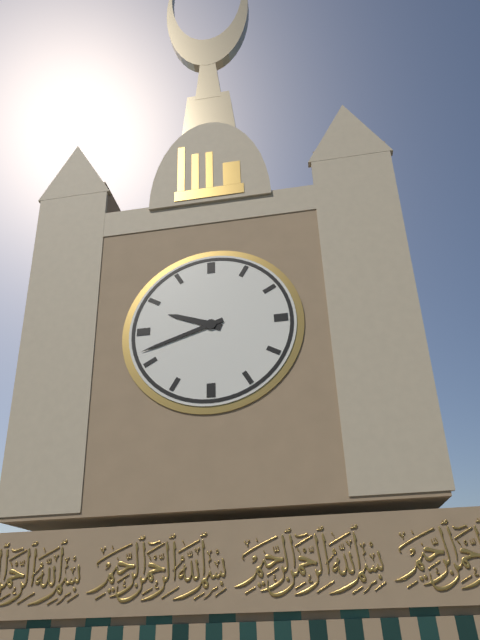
9:42
